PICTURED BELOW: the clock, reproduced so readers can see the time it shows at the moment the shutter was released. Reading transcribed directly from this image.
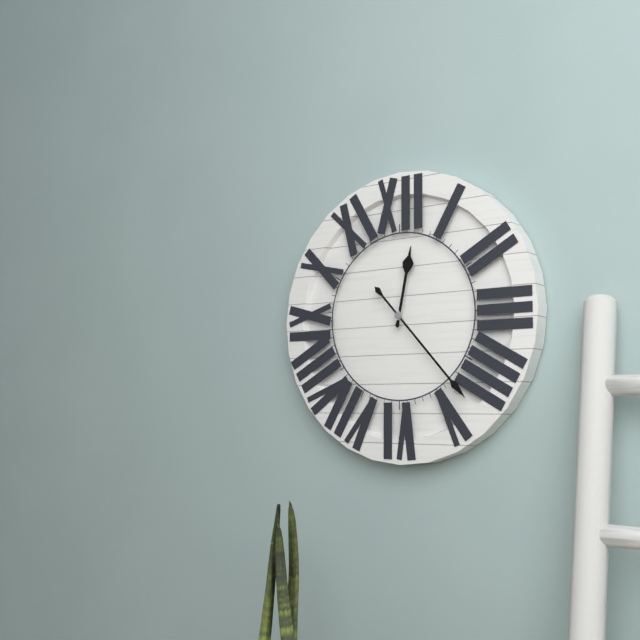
12:23
